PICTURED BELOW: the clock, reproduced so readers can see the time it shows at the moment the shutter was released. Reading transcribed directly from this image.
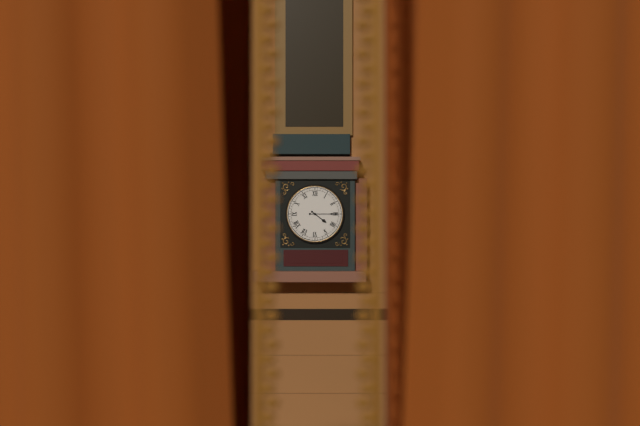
4:15
